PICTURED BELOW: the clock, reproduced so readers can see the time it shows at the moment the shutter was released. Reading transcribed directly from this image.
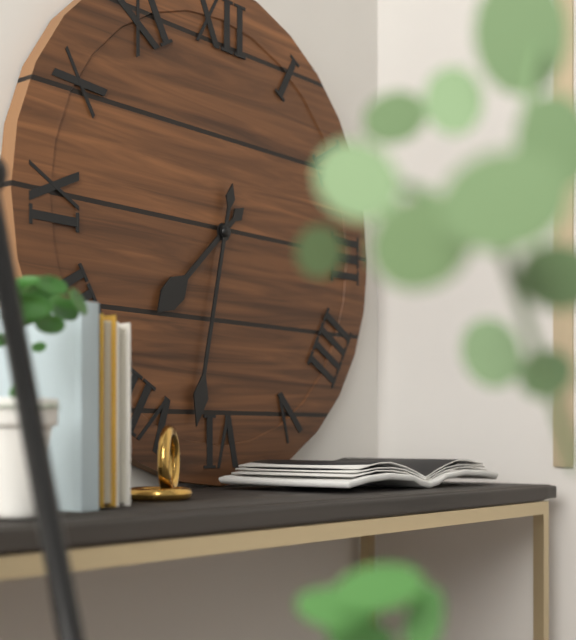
7:32
